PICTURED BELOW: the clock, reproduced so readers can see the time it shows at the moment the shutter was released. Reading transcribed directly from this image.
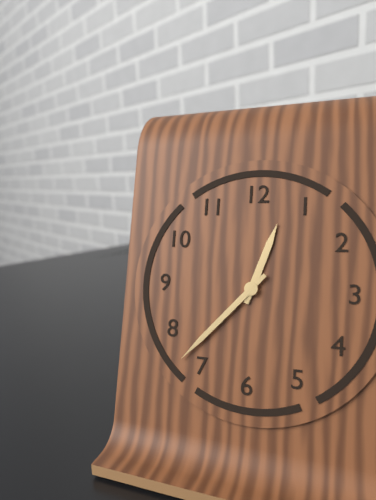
12:37
